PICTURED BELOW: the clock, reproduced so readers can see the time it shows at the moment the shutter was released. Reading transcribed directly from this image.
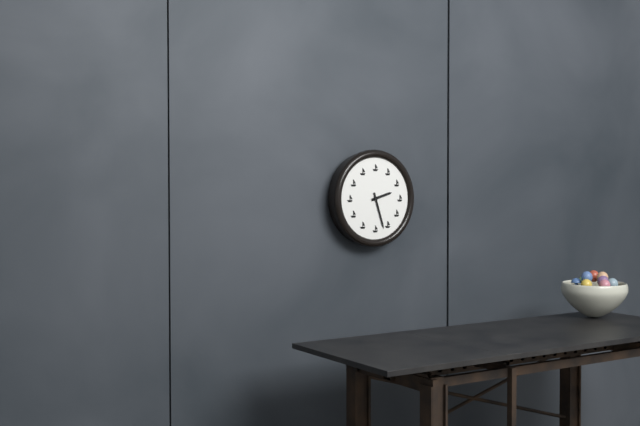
2:27
